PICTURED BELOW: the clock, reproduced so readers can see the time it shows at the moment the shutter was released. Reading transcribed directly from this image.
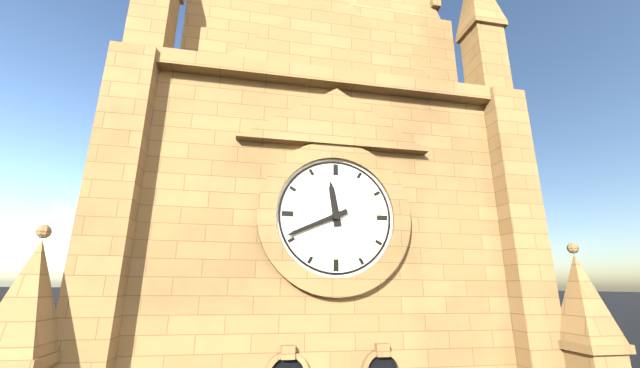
11:41
